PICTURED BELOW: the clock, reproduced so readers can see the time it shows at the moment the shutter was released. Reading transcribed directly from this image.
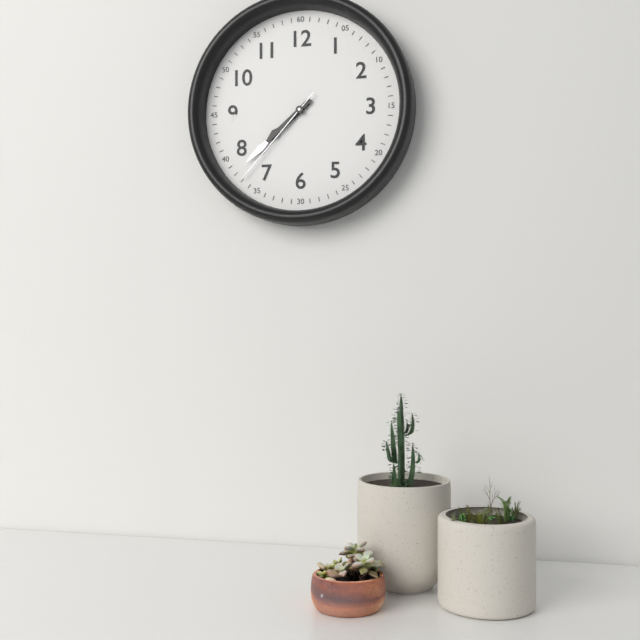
7:38:37
